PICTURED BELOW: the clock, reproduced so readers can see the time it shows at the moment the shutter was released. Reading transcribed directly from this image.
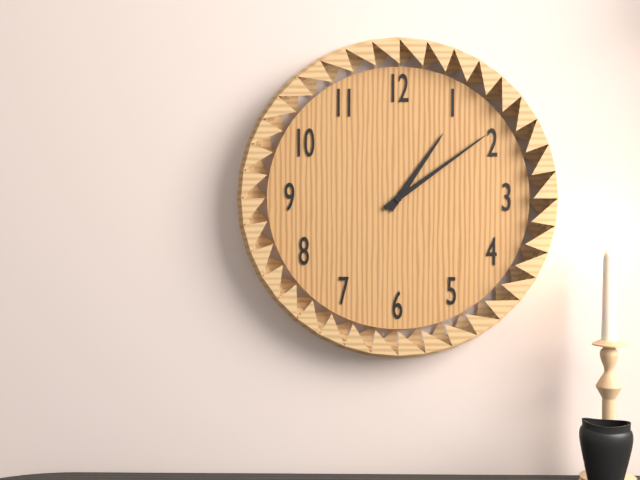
1:09
